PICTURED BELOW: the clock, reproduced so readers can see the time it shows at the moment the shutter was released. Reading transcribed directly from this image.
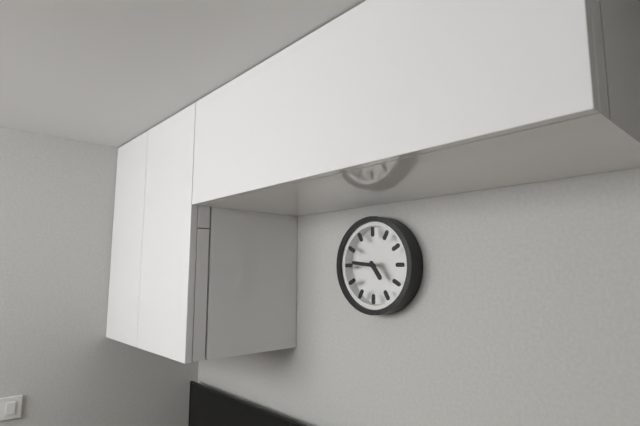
4:46
